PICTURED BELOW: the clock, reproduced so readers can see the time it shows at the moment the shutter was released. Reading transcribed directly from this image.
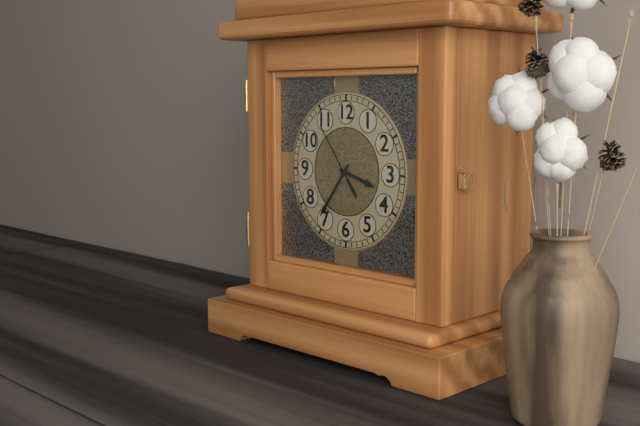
3:36:54
